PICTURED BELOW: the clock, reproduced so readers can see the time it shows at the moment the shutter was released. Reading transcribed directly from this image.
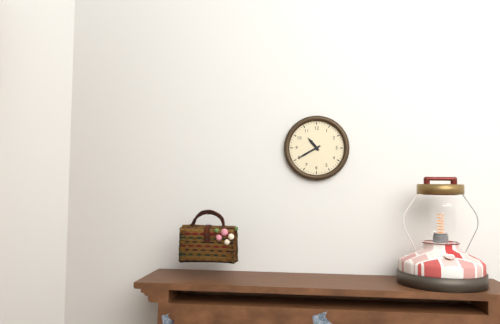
10:40
